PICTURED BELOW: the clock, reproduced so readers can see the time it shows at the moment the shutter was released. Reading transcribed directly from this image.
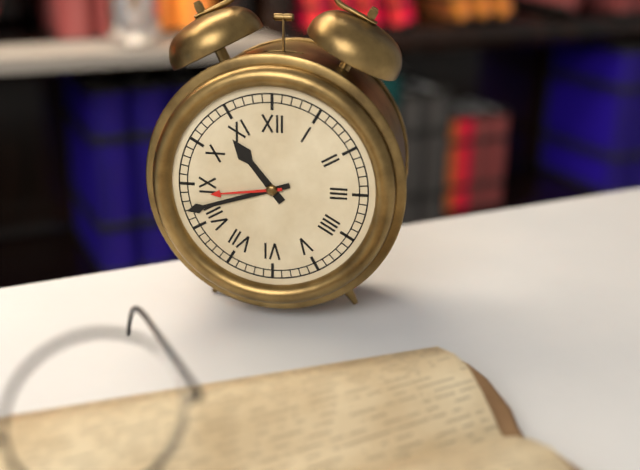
10:42
